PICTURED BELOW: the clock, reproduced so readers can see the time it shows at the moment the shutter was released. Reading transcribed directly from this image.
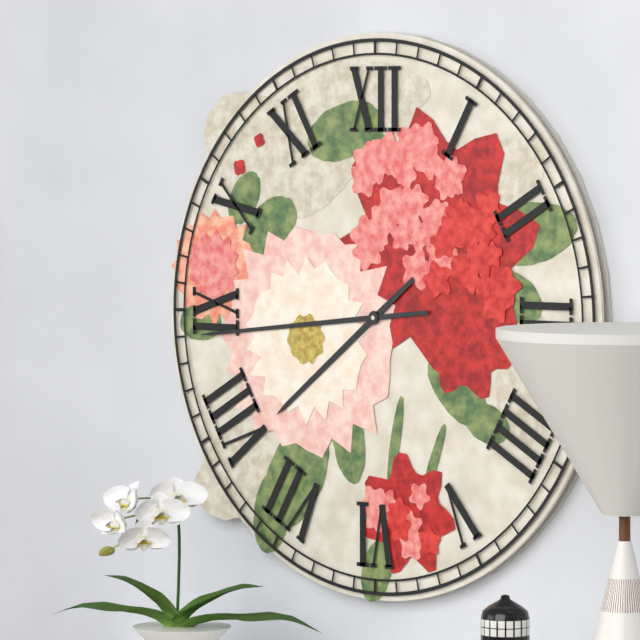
7:44
